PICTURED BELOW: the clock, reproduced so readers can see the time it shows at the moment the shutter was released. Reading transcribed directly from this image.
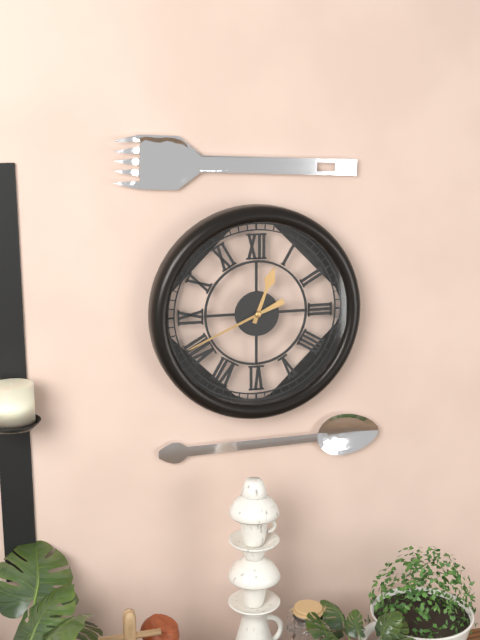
12:41
